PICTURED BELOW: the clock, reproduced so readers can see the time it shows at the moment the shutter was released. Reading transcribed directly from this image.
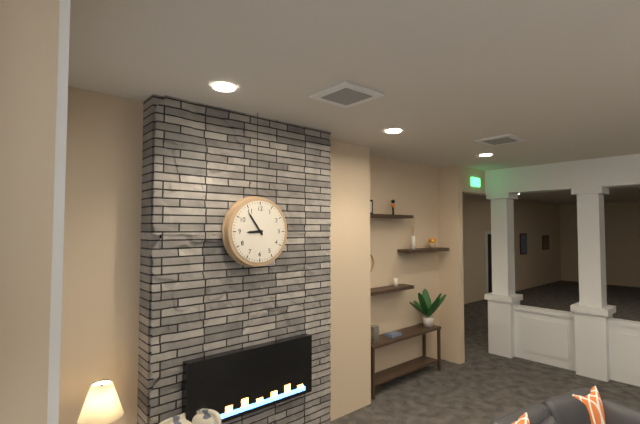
8:54
